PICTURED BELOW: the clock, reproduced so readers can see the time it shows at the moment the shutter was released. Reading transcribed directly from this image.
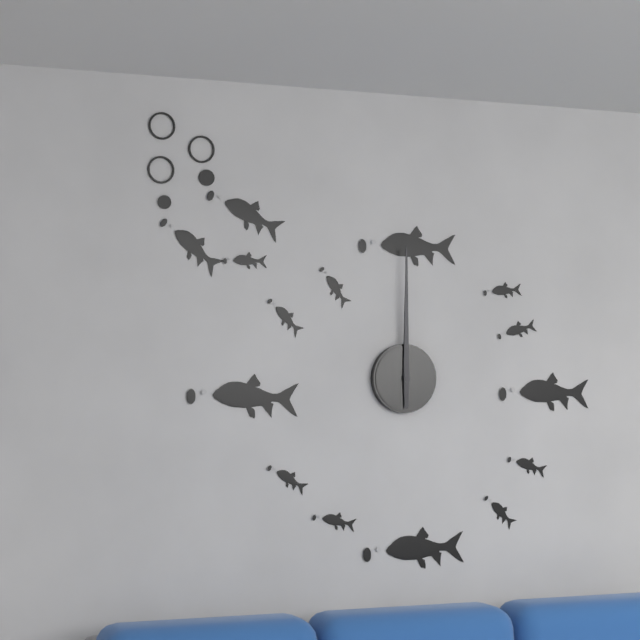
12:00
